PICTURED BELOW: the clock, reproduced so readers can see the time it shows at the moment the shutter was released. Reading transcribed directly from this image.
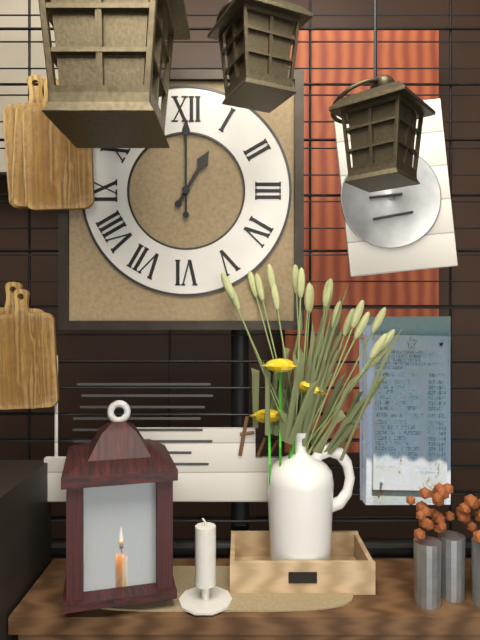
1:00
